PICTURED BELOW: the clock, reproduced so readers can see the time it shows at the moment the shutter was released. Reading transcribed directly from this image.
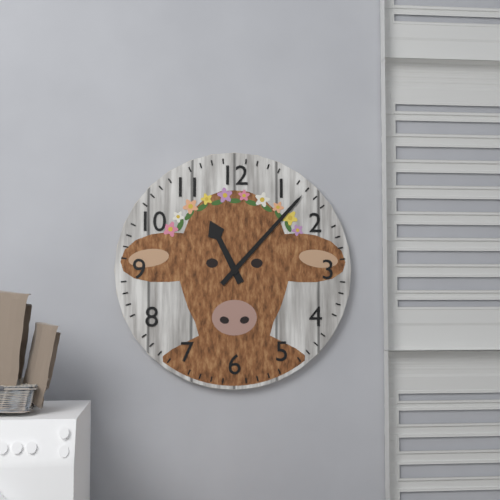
11:07
